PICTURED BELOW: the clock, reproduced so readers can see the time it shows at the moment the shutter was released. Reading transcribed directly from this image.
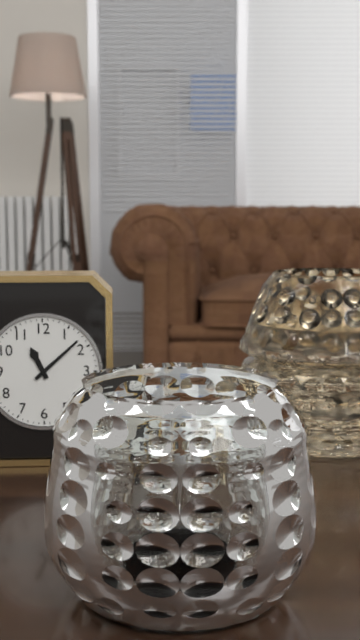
11:08
